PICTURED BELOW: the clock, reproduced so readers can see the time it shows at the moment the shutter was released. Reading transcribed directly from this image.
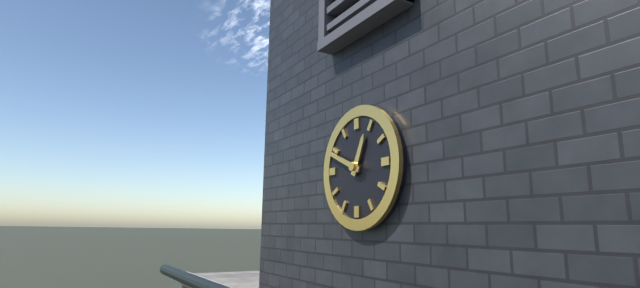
12:49
